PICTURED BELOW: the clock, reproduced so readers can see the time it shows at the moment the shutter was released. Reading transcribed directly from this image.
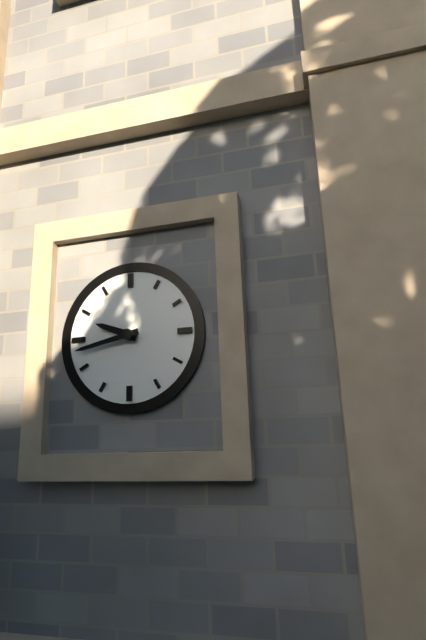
9:43
